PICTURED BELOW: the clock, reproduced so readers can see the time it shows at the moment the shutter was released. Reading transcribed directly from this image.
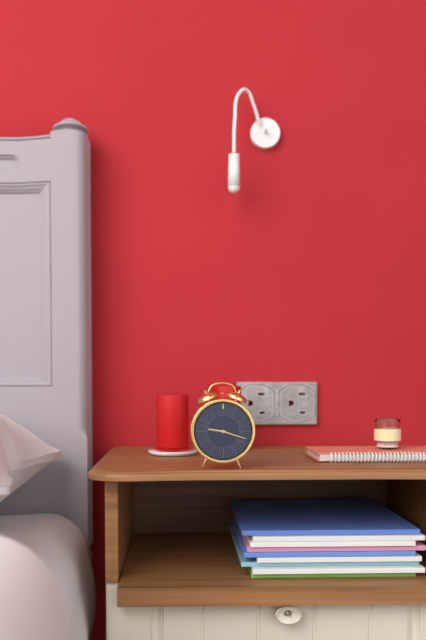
9:18
